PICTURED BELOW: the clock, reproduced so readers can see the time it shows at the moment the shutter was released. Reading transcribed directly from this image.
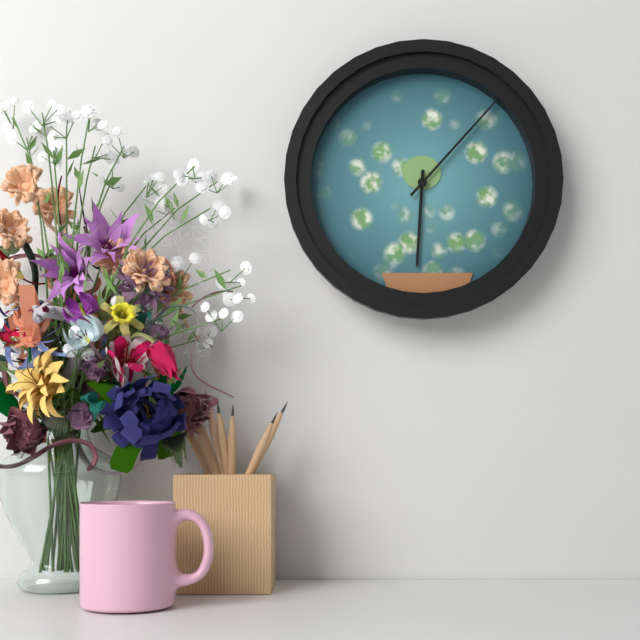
6:07
